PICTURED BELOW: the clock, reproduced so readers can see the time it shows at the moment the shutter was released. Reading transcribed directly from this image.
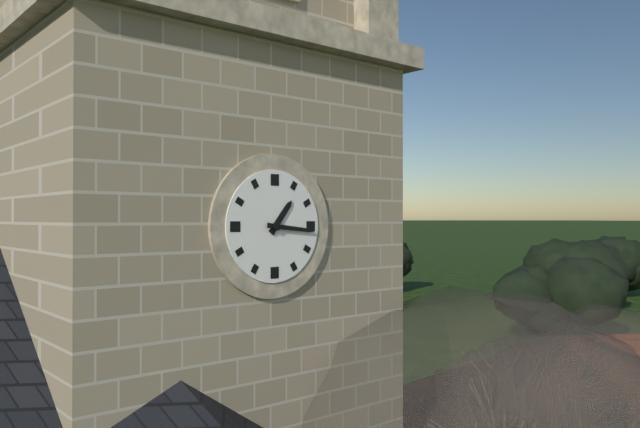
1:16
